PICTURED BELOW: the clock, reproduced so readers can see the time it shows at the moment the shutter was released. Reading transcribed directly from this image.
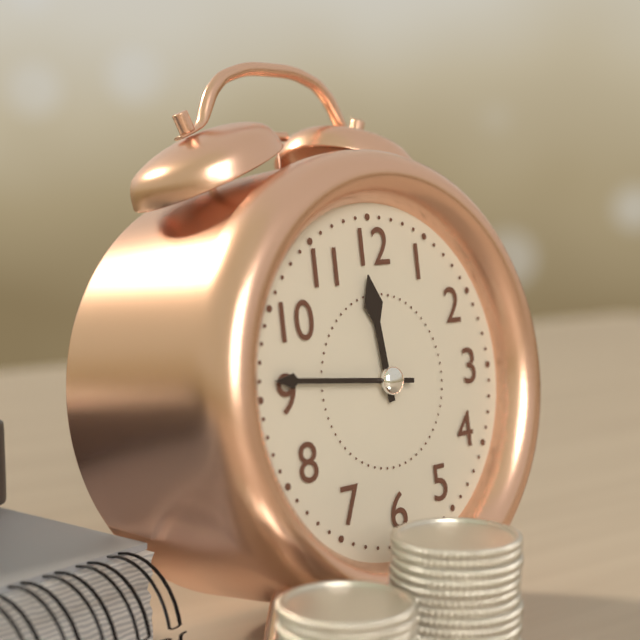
11:46
